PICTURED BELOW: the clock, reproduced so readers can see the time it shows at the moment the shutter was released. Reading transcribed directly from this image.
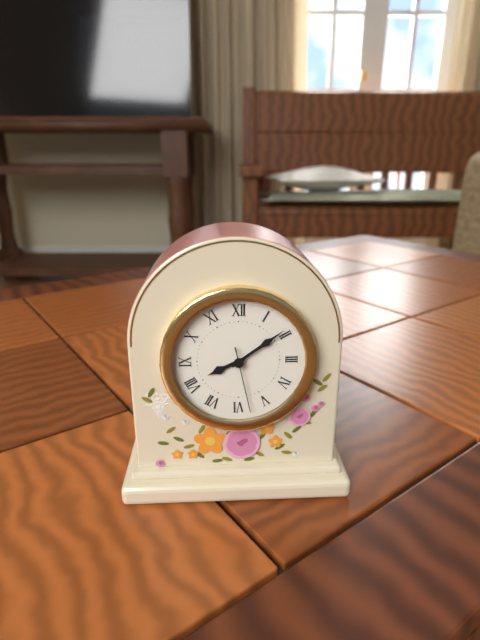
8:09:28
